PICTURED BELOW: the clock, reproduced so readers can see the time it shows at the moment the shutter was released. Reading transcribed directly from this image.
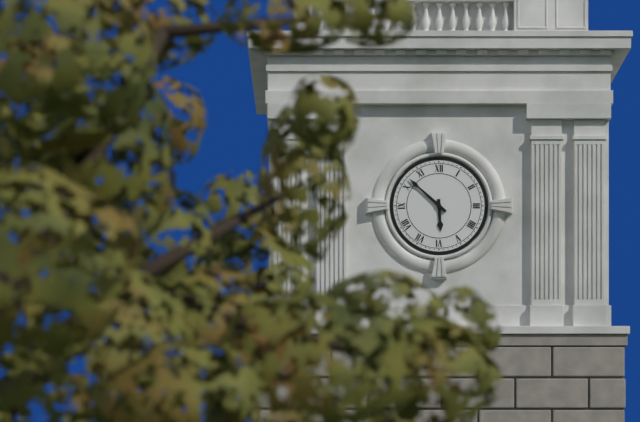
5:52
